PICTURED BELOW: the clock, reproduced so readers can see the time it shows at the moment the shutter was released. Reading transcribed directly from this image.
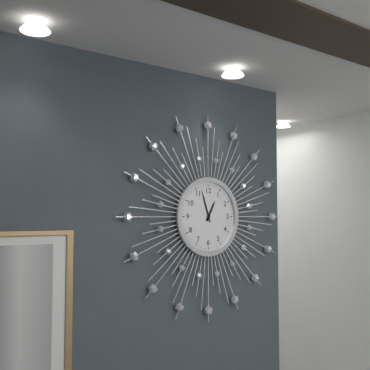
12:57
